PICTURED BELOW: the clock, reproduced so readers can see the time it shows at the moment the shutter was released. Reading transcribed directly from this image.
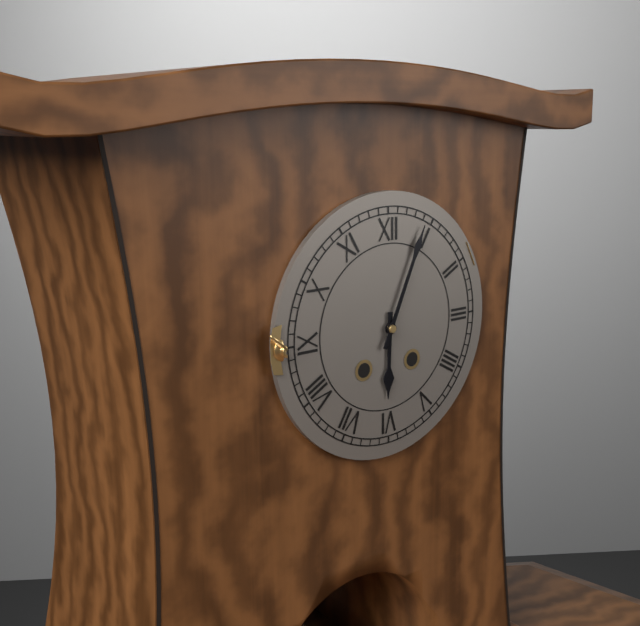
6:04
